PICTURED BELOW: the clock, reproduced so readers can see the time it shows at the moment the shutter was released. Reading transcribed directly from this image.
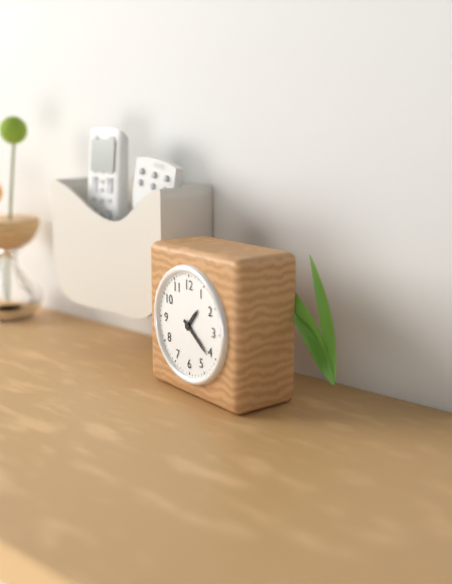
1:21
